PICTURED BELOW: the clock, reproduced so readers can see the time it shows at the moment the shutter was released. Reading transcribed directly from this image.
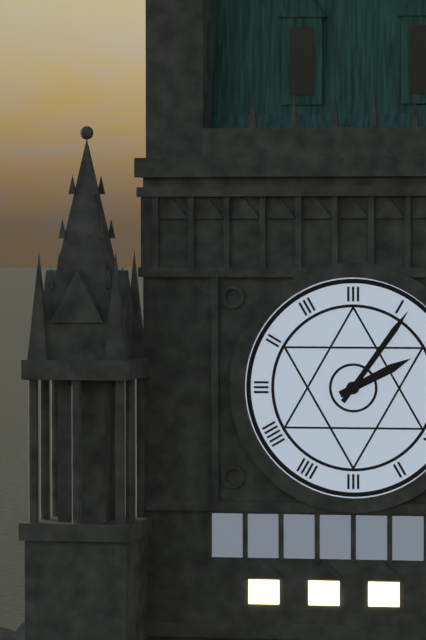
2:06
